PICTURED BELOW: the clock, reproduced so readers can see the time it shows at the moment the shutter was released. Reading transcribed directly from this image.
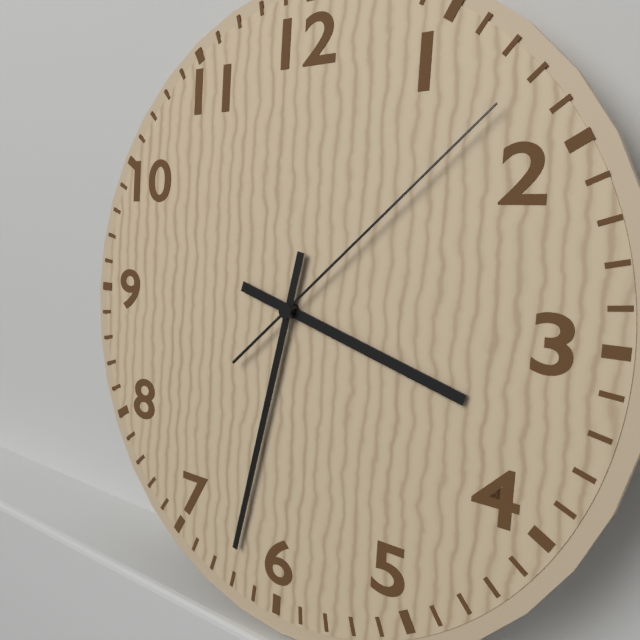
3:32:08
